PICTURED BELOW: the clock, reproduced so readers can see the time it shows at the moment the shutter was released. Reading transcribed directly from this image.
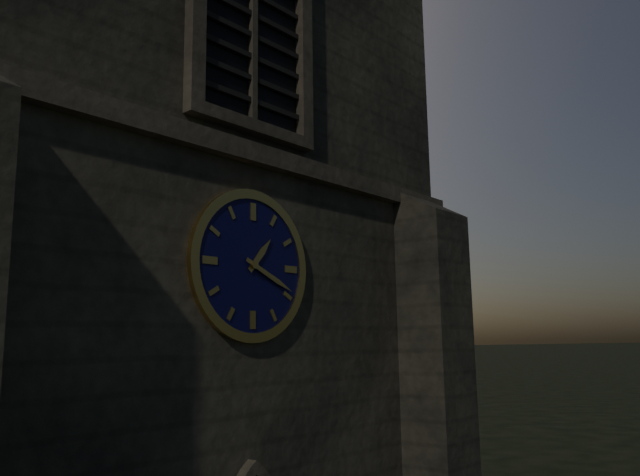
1:19
